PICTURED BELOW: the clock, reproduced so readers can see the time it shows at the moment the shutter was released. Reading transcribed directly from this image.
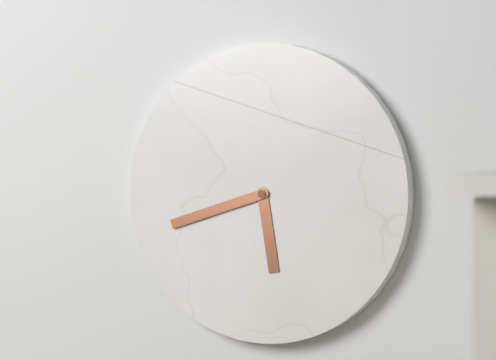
5:42
